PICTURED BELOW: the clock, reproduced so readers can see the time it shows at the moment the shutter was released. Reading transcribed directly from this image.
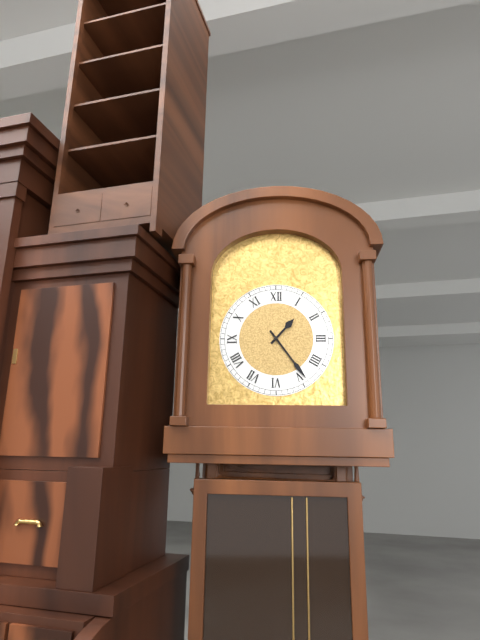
1:24
